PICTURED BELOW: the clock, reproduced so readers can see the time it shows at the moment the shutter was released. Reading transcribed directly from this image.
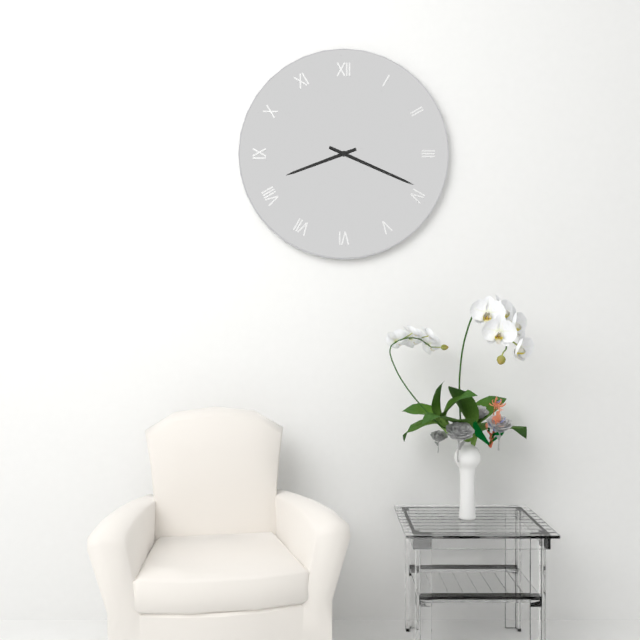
8:19
